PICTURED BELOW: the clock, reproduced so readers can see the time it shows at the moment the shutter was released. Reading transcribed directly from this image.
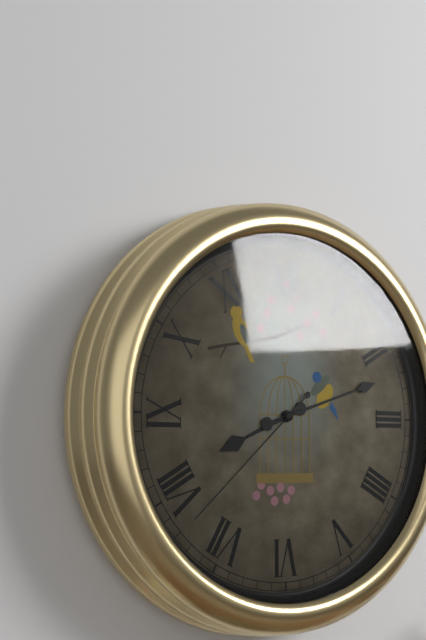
8:12:38
